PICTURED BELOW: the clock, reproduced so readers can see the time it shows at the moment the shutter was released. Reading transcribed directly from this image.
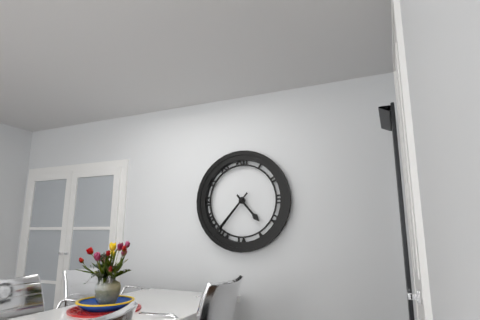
4:37
